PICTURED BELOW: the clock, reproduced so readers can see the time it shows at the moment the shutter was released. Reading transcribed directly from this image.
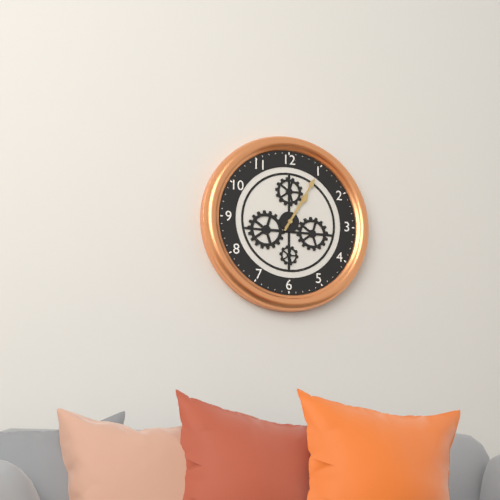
1:05
